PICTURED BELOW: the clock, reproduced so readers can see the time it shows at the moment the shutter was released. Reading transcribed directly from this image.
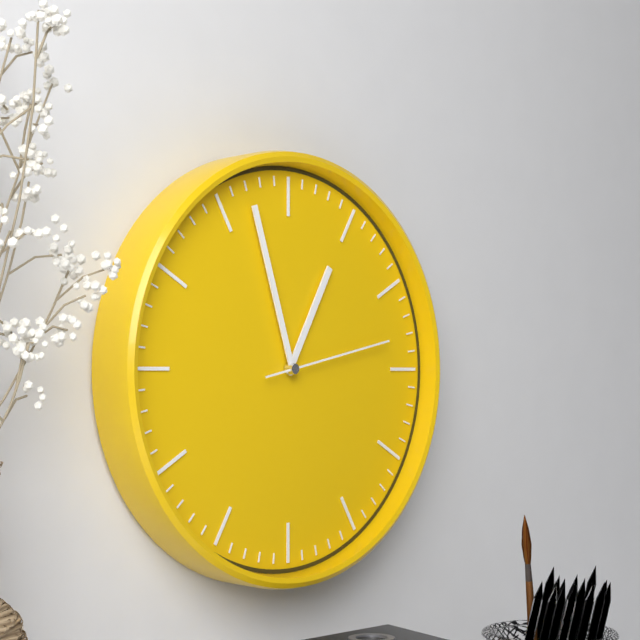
12:57:13
